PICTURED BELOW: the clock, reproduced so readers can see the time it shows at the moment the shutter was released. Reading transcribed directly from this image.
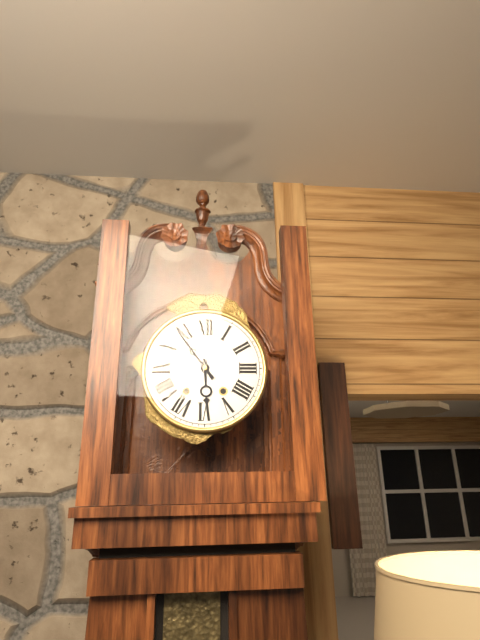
5:54
